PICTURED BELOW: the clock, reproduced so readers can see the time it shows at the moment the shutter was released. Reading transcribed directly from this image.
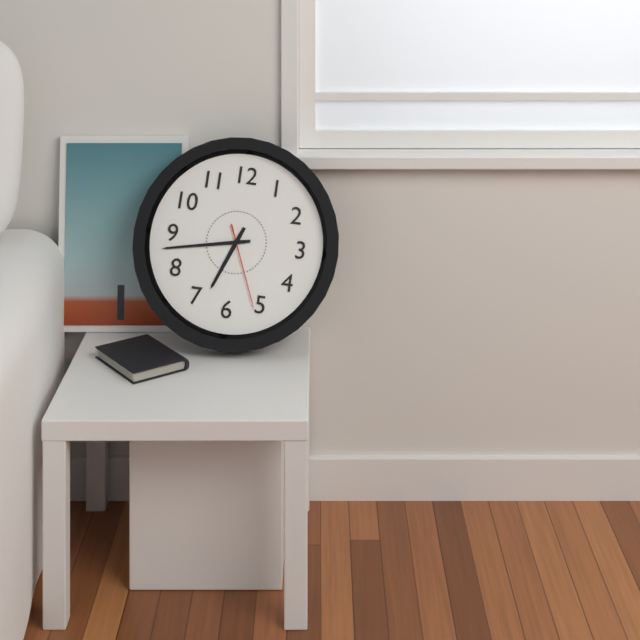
6:43:26
